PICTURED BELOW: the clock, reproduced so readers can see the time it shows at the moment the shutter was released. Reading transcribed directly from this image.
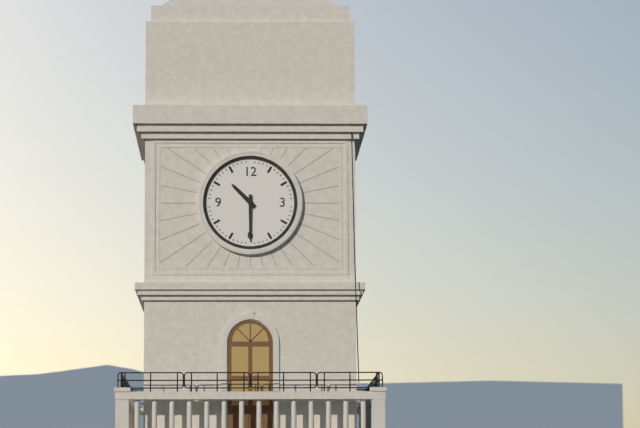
10:30
